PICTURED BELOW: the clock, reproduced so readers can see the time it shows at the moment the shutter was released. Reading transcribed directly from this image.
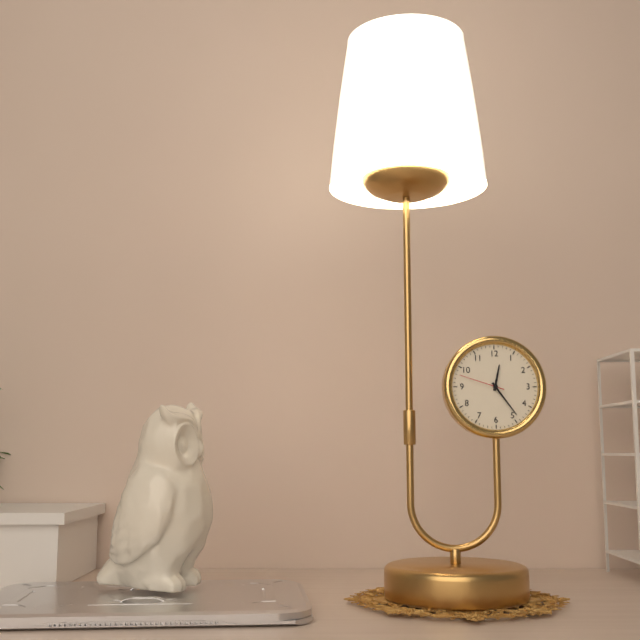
12:24
